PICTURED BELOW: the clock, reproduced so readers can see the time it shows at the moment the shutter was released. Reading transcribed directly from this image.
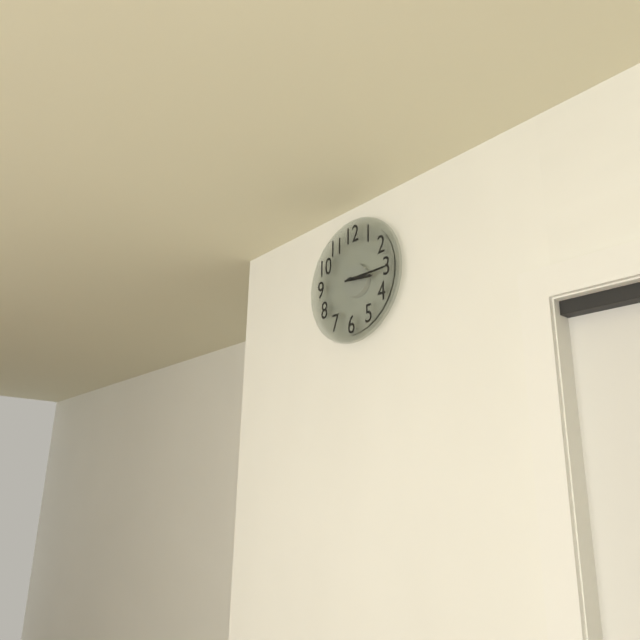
3:15
